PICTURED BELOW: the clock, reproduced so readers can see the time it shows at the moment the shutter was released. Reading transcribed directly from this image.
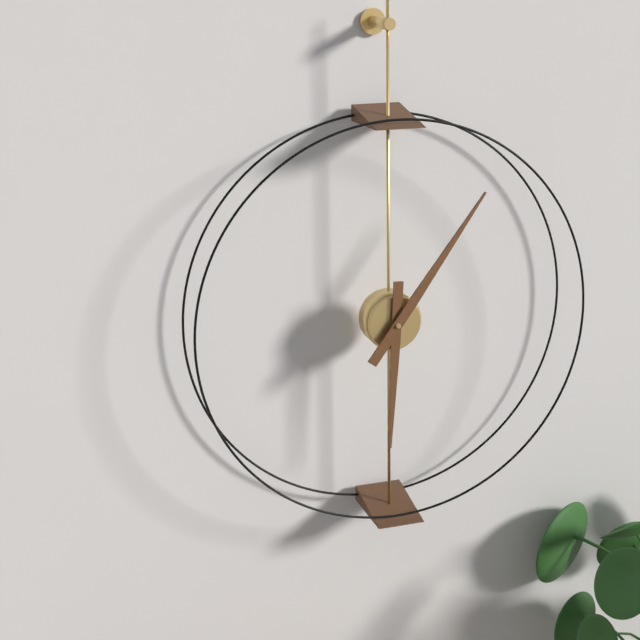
6:06
